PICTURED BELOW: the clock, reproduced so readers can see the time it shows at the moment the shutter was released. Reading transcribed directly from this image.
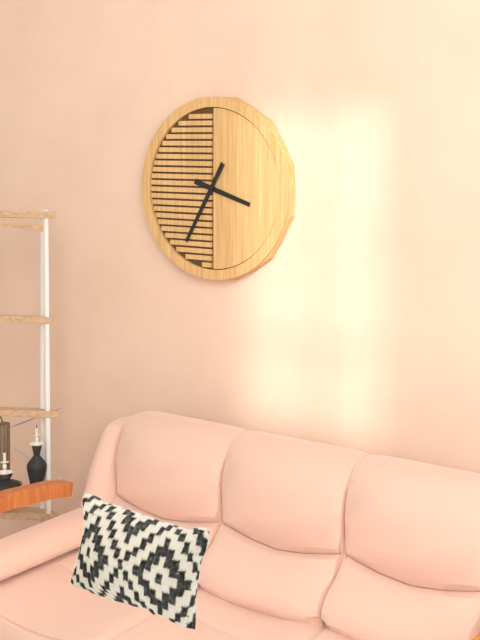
3:35
